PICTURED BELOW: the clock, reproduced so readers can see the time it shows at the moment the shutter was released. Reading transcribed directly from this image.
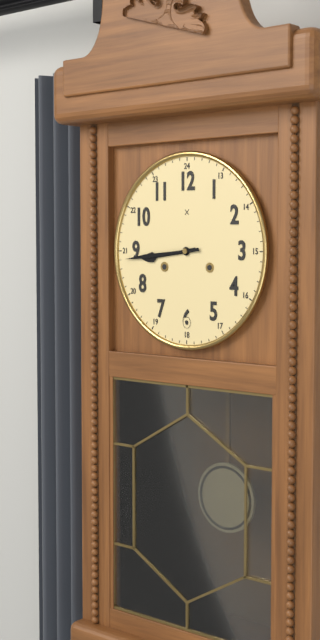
8:44
